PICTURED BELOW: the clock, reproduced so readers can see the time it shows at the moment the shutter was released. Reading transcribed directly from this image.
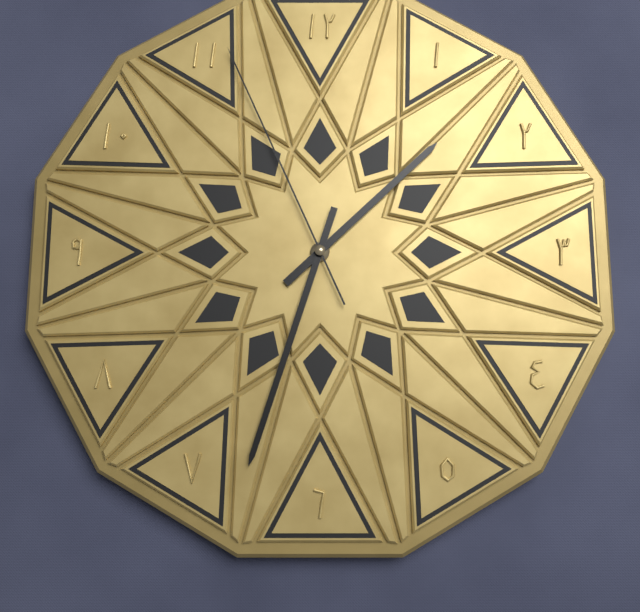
1:33:56
